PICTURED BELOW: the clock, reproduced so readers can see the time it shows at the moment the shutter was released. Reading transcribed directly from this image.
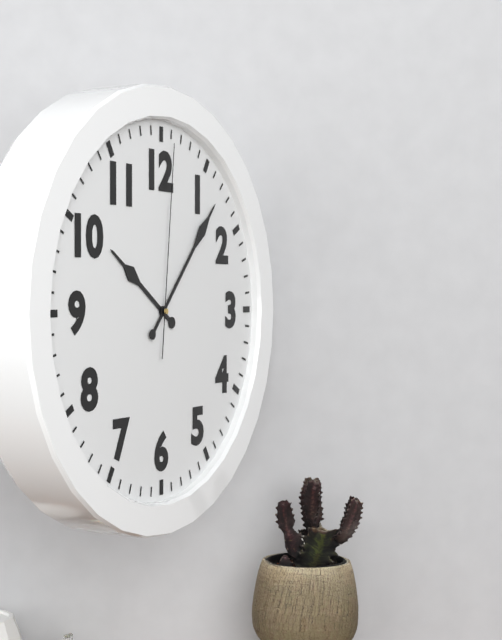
10:07:01
